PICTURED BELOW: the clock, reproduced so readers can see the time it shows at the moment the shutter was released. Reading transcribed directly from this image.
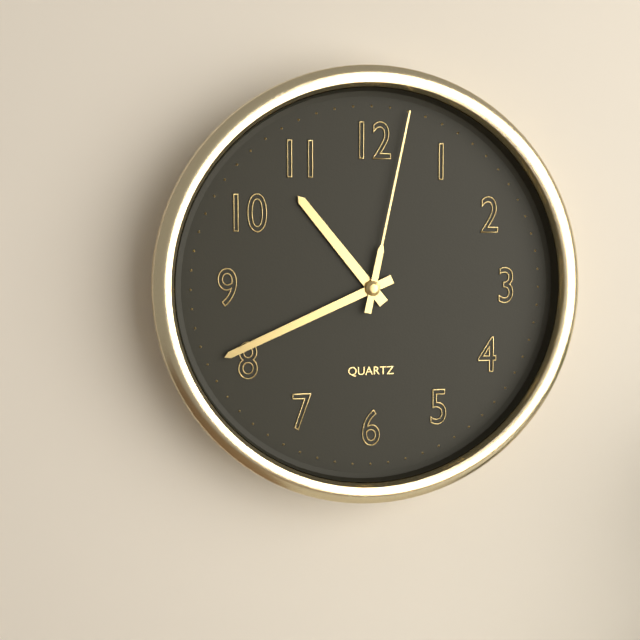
10:41:02
